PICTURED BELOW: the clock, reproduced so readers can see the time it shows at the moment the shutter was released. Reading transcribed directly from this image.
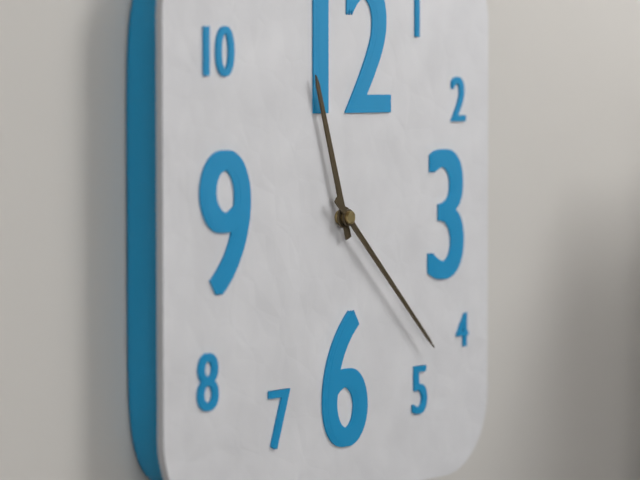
11:22
